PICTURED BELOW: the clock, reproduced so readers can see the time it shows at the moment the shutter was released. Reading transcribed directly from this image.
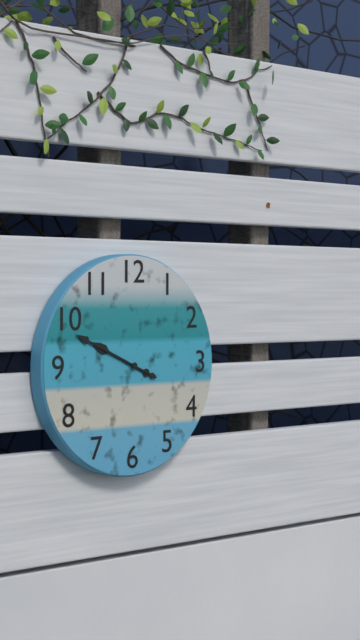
9:49
